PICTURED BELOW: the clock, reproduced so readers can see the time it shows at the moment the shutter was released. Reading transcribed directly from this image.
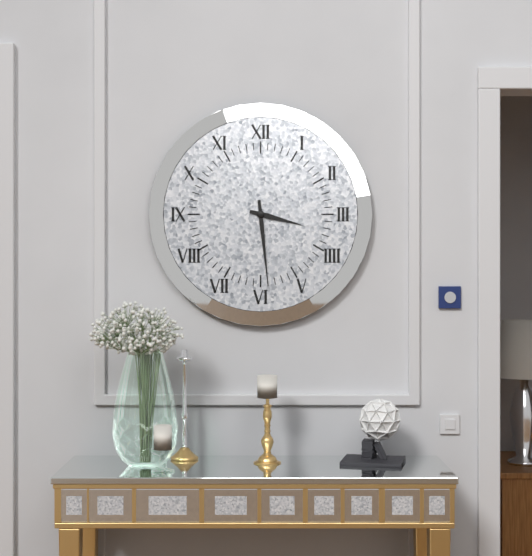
3:29
